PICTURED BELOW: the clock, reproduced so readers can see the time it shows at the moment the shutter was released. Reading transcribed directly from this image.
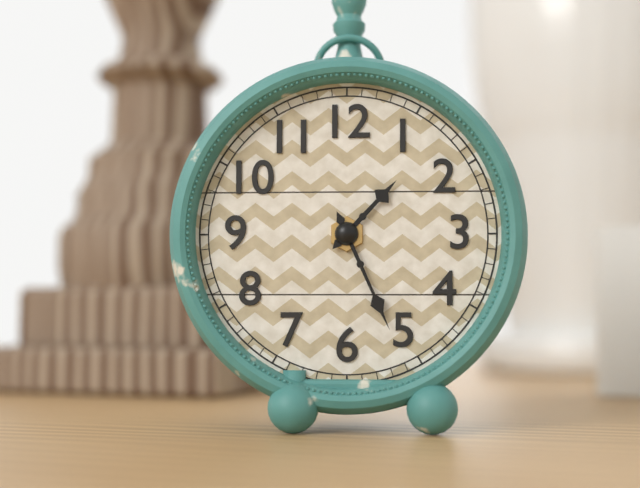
1:26
